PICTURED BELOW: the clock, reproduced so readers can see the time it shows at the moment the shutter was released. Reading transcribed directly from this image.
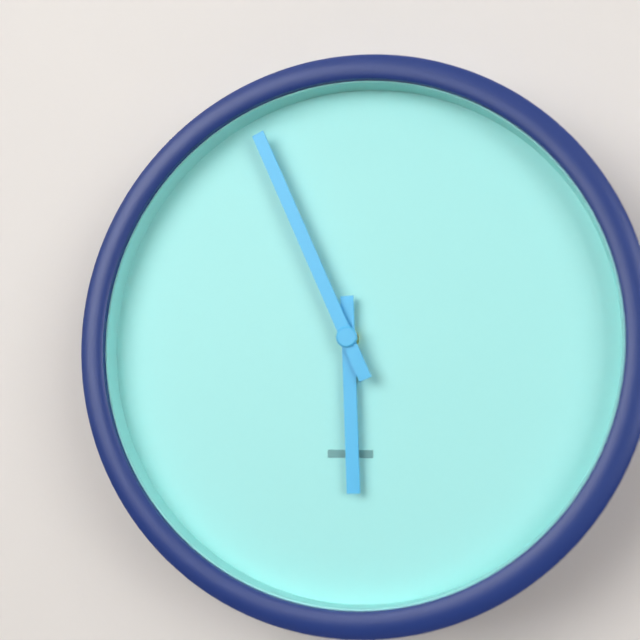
5:56
